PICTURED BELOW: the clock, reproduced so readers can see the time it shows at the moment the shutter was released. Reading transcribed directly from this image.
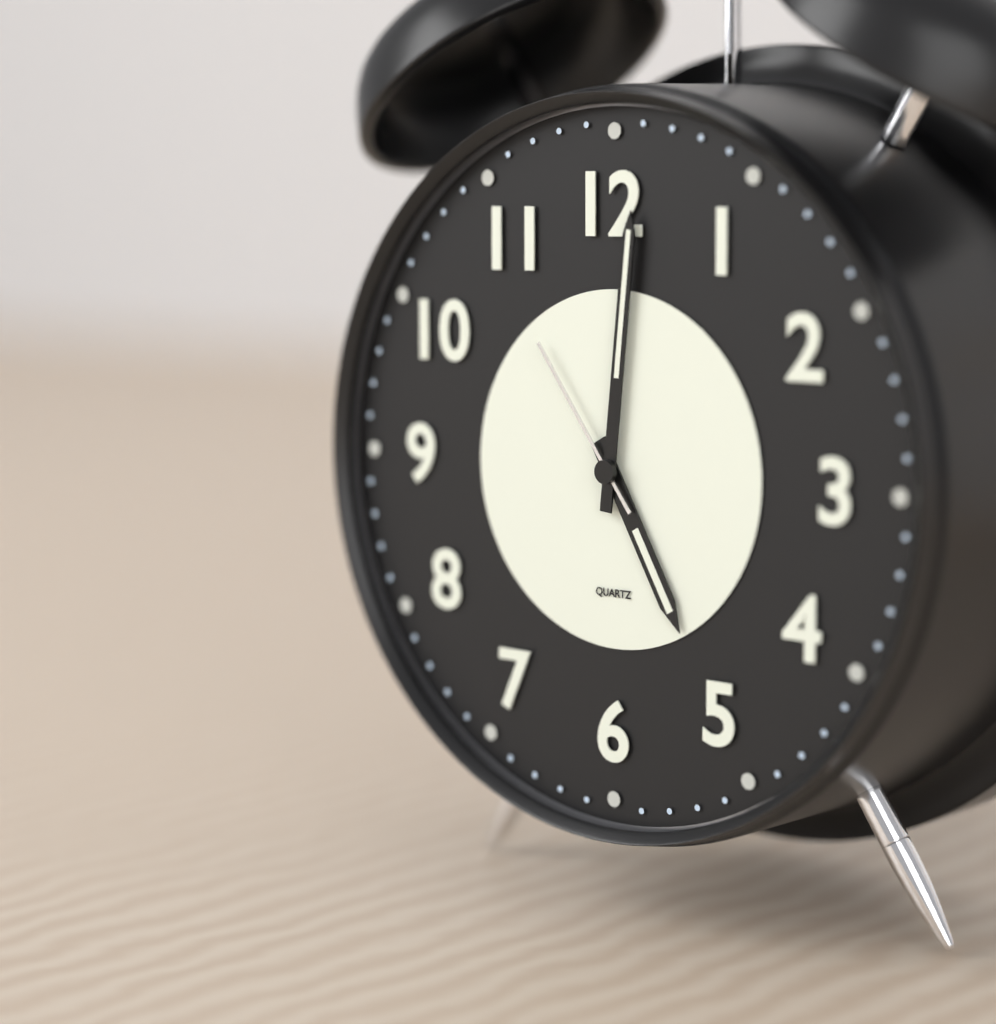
5:01:54
